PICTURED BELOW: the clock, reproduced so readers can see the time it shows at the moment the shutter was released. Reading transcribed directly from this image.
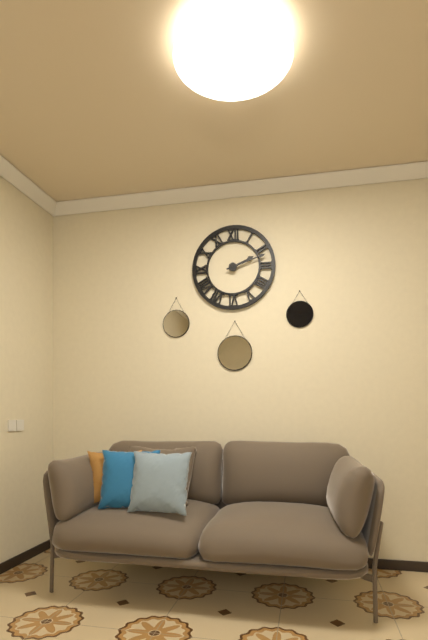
2:12
